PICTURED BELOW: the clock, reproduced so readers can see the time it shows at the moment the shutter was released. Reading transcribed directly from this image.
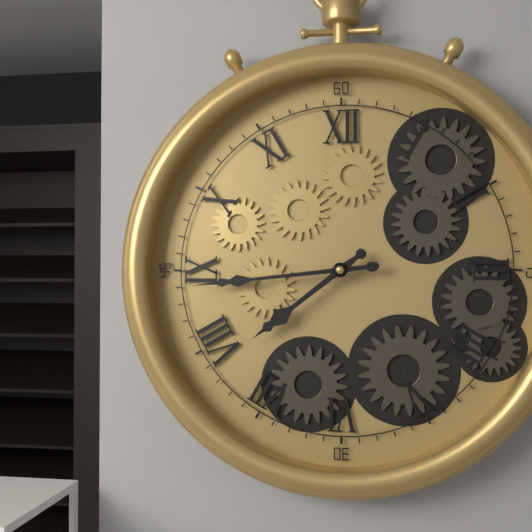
7:44
